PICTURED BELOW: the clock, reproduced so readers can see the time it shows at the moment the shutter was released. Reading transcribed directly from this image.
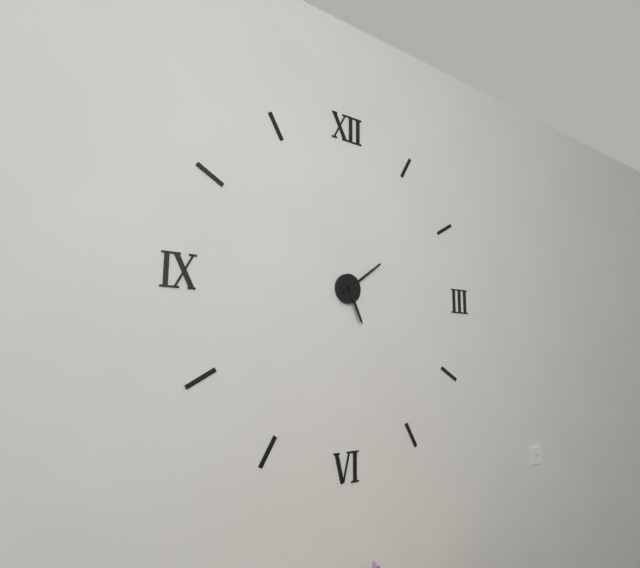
5:09
